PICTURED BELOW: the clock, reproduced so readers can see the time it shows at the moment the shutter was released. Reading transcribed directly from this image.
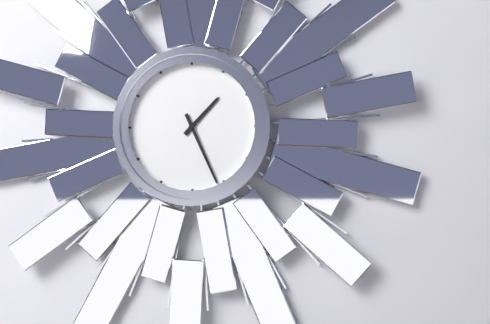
1:26
